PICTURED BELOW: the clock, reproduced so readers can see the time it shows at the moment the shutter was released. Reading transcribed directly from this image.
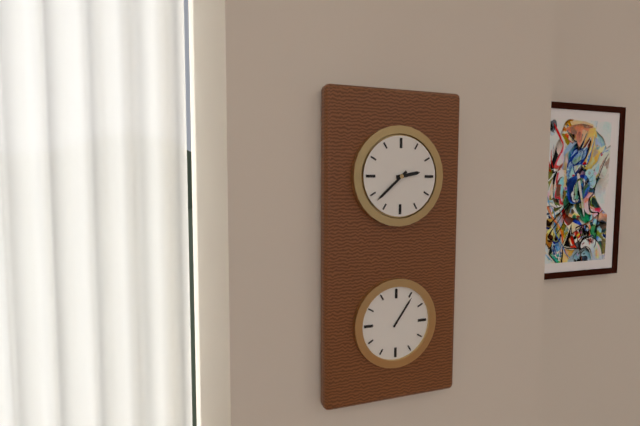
2:38
